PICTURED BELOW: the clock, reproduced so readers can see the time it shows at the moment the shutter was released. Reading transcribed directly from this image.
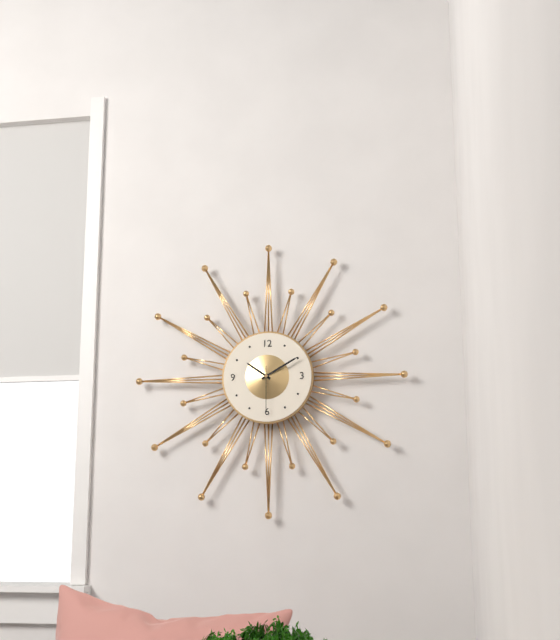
10:10
